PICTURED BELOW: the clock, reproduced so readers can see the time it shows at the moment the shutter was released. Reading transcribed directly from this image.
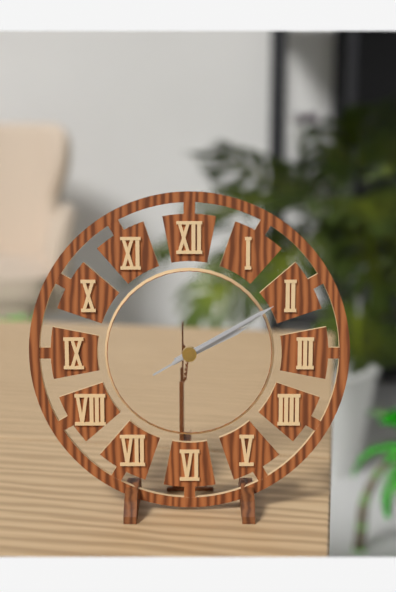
2:10:10
